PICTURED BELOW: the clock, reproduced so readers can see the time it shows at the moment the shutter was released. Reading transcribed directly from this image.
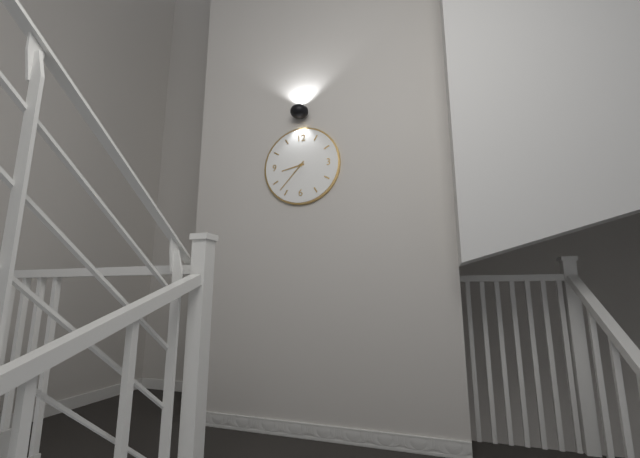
8:37
